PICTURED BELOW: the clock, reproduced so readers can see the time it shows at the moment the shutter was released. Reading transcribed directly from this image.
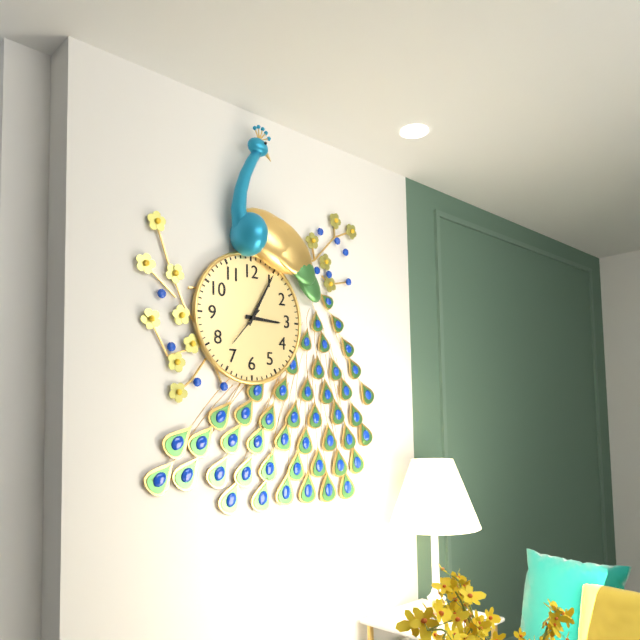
3:05
